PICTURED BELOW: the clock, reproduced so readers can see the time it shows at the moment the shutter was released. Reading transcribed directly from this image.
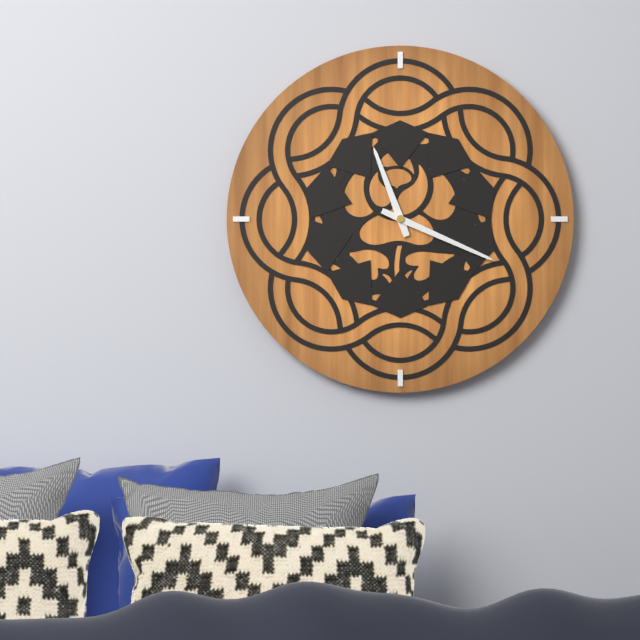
11:19
